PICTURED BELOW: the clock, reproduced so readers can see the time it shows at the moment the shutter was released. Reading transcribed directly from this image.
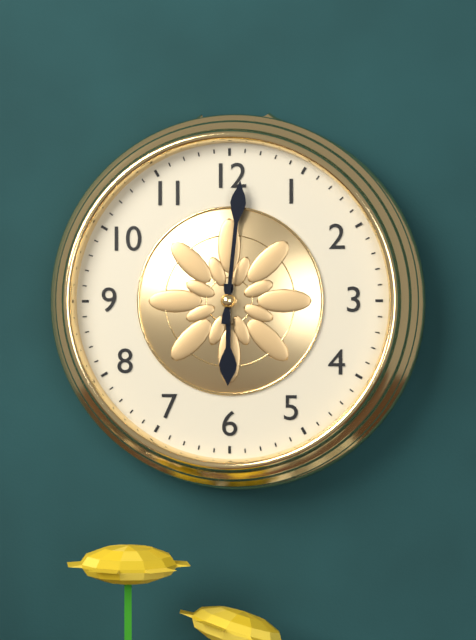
6:01
